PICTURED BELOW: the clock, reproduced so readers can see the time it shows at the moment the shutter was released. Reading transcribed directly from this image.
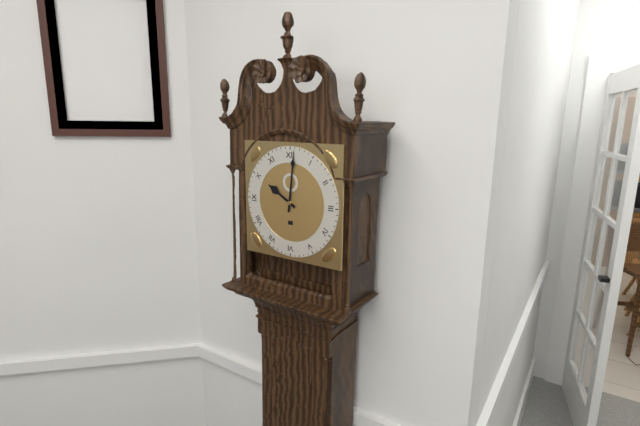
10:01
